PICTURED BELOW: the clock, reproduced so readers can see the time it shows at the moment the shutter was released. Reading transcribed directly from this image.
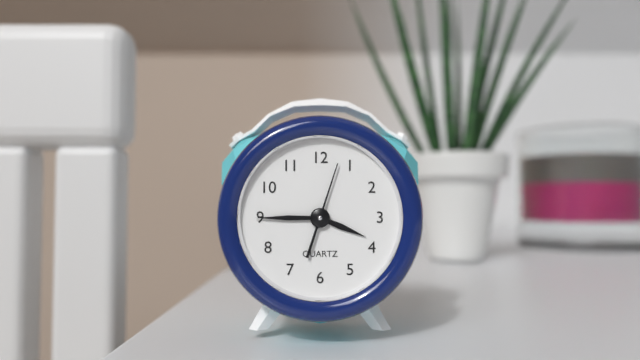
3:45:03
